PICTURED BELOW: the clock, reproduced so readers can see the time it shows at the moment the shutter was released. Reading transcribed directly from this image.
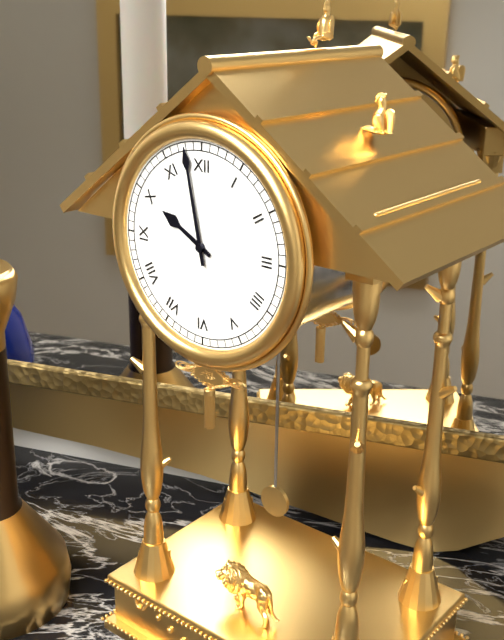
9:58
